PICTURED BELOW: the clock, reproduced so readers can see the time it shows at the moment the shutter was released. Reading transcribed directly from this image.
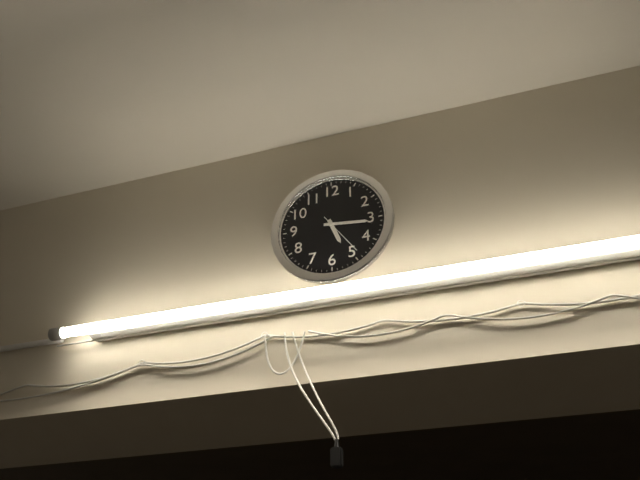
5:16
